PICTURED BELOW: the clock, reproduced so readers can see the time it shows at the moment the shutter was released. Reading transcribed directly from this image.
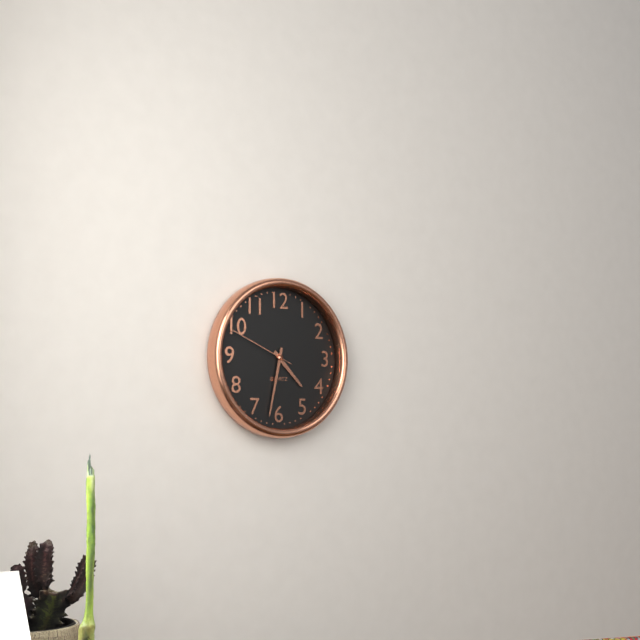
4:32:49
